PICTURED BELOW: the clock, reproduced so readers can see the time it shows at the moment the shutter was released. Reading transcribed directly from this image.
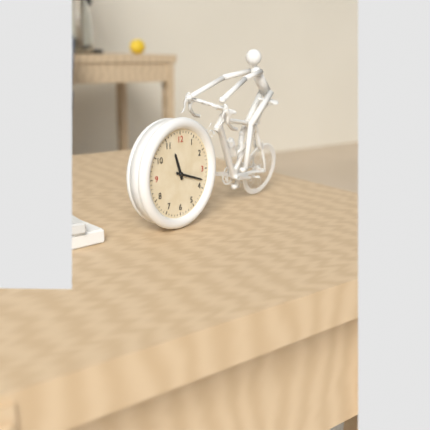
11:18
